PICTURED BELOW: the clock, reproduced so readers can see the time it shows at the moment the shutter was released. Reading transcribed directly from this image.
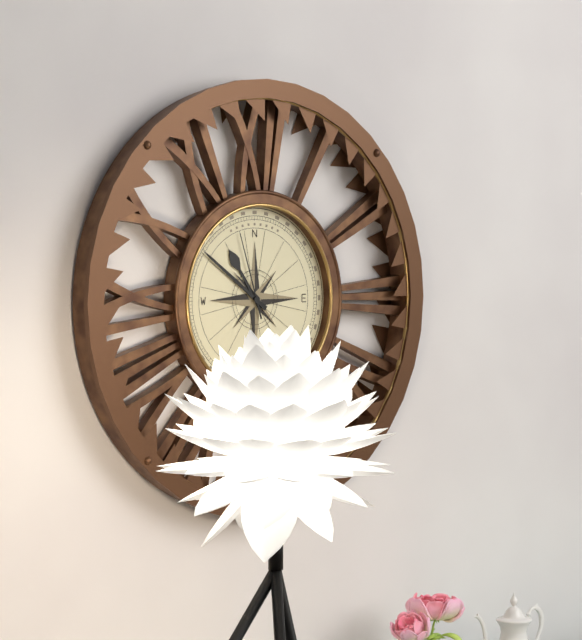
10:51:57
